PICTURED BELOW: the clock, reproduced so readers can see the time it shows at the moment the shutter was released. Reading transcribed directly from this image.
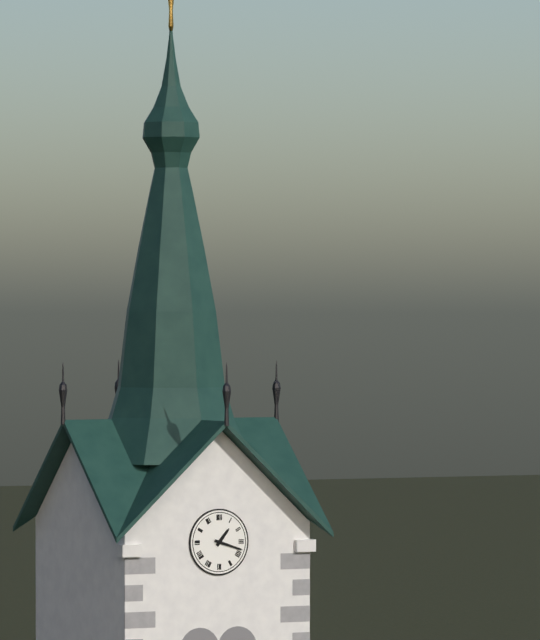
1:18
